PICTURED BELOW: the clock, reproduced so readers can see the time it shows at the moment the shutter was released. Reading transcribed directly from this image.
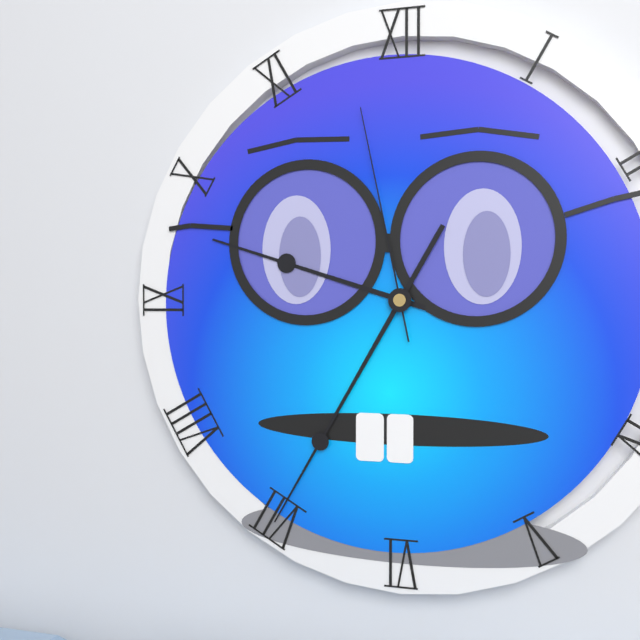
9:35:58
